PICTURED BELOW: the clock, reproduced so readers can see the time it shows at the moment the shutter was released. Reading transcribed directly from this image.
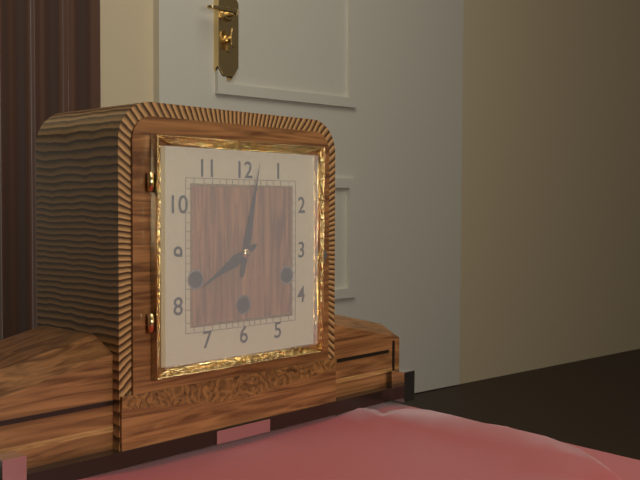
8:02
